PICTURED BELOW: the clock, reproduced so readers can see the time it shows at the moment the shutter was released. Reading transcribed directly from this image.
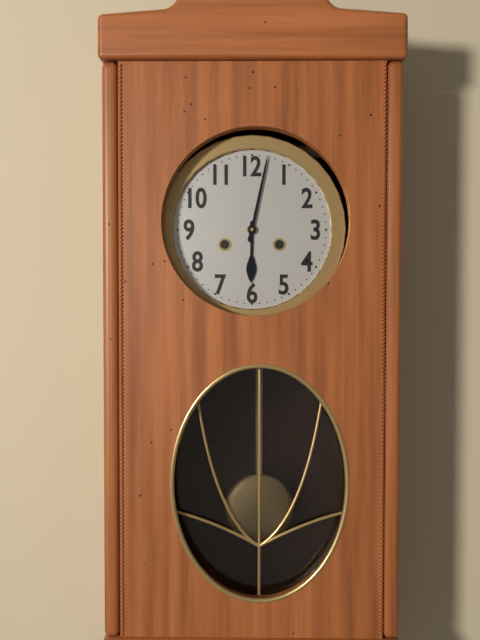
6:02
